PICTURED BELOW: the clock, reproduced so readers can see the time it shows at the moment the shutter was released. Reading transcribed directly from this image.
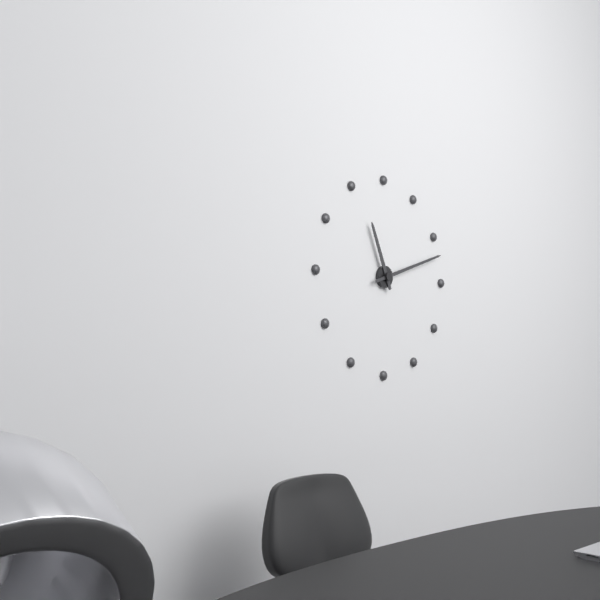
11:12
